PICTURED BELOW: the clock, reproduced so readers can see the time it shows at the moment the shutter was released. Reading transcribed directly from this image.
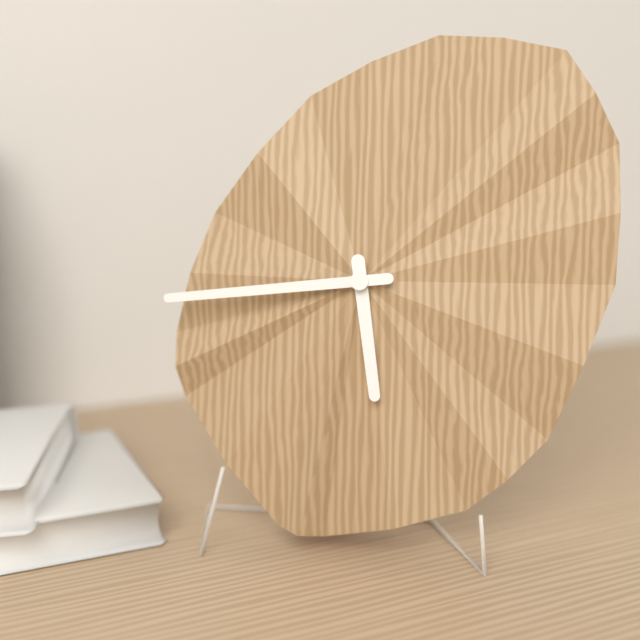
5:44
